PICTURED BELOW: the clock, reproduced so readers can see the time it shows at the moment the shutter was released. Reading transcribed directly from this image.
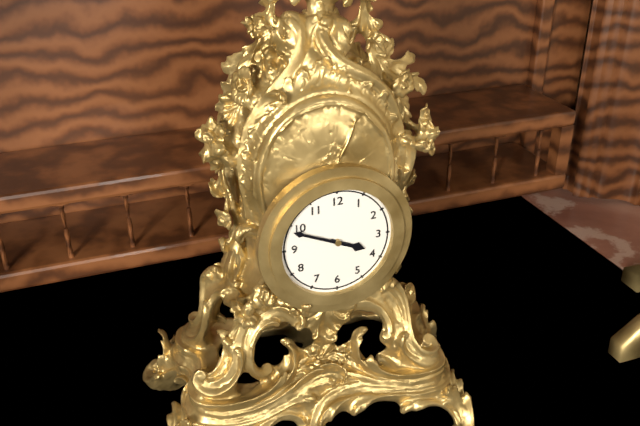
3:49
